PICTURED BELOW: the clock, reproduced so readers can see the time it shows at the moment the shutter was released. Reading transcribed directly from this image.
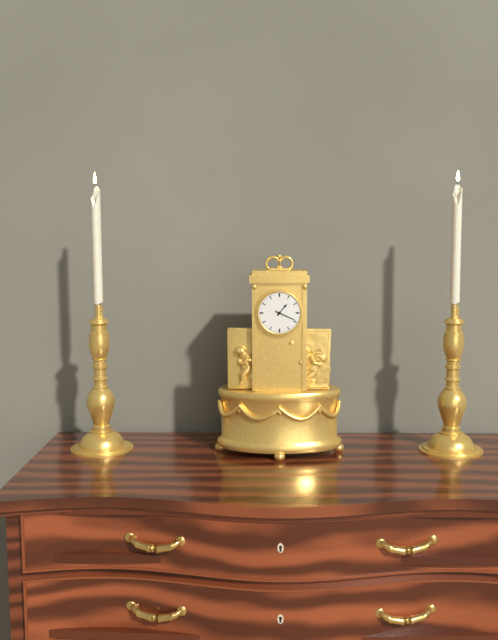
1:19
